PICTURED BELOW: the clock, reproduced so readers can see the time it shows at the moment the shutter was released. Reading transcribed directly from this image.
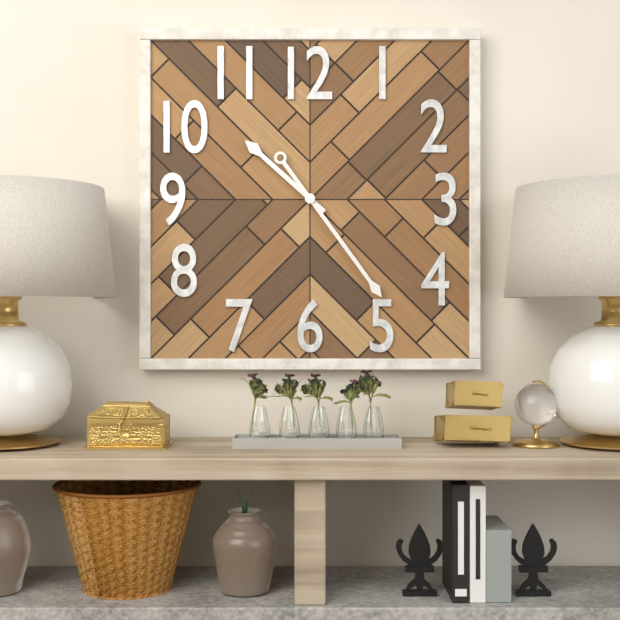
10:24
